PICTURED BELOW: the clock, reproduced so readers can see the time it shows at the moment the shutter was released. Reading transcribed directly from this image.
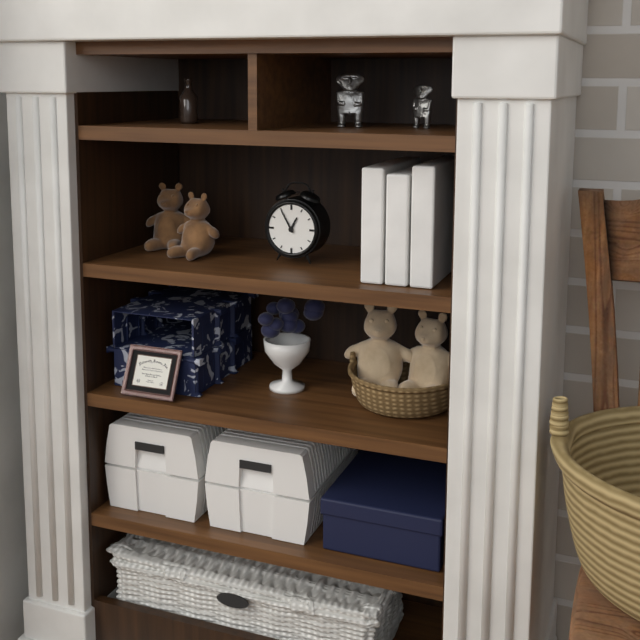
12:55
